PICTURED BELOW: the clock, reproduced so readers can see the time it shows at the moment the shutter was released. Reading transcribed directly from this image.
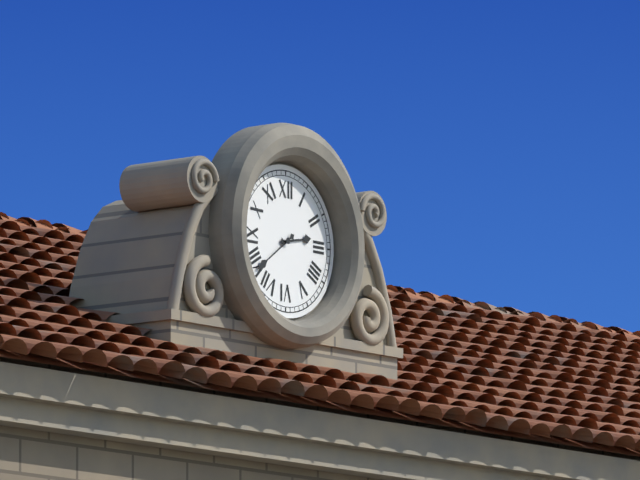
2:39
